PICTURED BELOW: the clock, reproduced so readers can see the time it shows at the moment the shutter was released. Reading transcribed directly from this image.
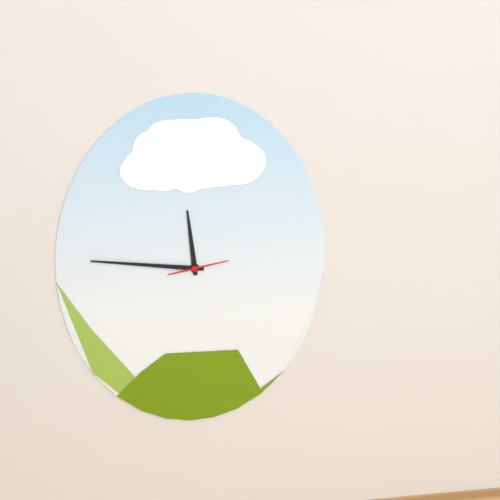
11:46
